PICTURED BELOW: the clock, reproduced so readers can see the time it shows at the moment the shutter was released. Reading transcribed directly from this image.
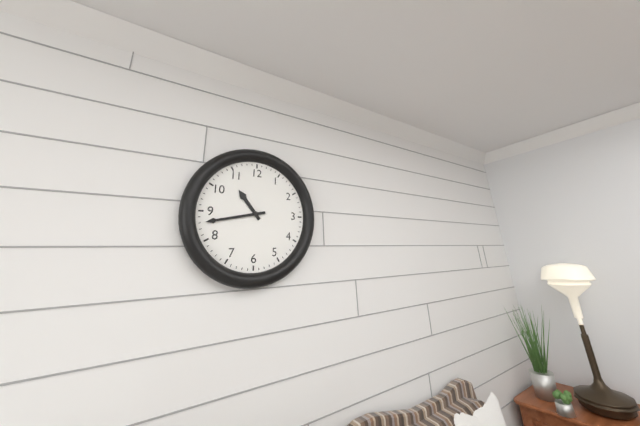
10:43
